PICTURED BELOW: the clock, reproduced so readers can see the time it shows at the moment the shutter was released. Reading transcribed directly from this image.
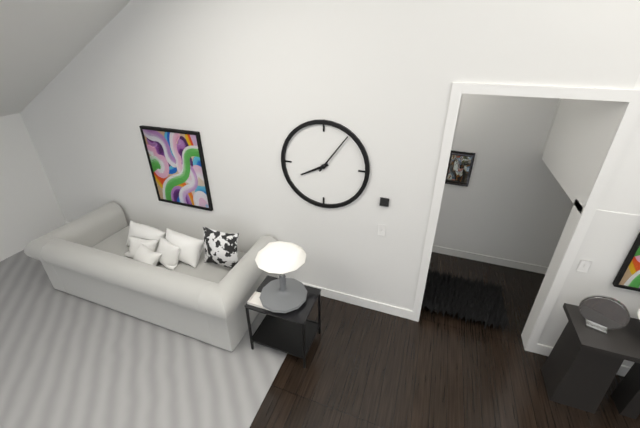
8:06
